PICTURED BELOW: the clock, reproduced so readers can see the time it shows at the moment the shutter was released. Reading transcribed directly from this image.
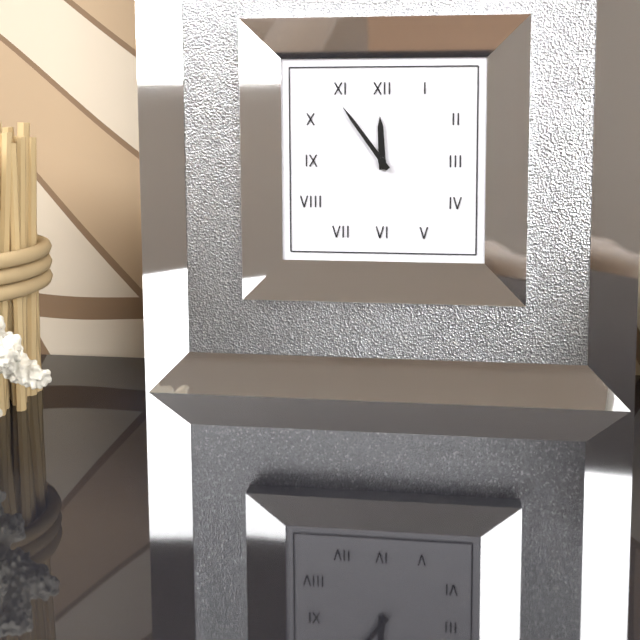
11:54
